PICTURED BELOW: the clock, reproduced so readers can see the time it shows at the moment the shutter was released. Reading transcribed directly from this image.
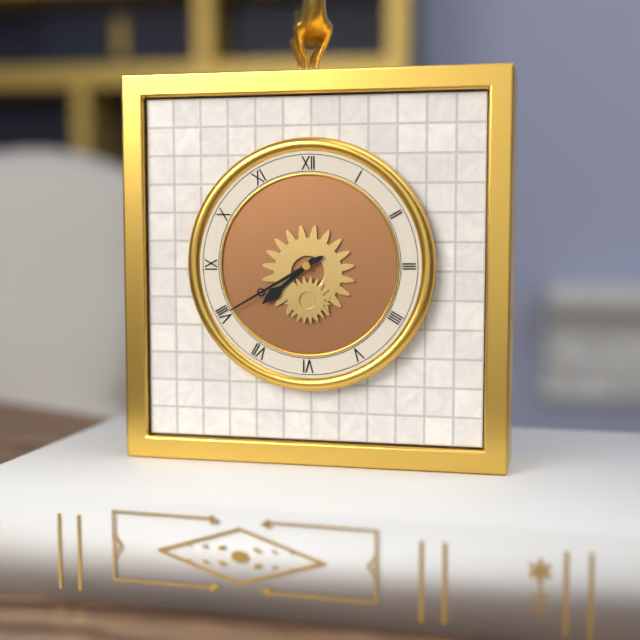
7:40
